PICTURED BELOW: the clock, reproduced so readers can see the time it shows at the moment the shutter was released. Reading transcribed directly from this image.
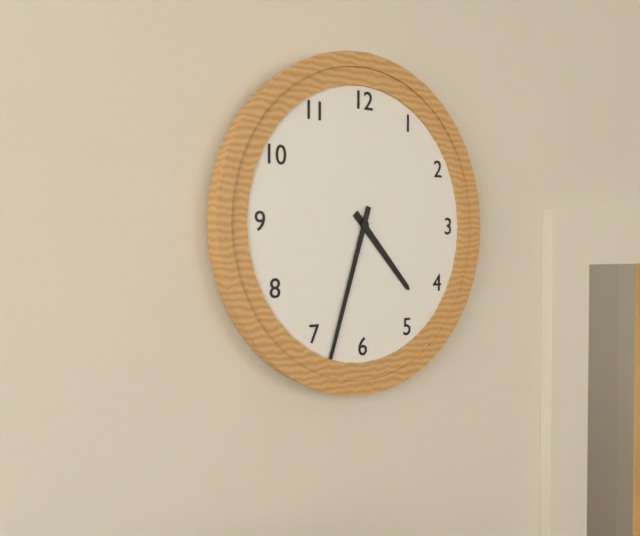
4:33
